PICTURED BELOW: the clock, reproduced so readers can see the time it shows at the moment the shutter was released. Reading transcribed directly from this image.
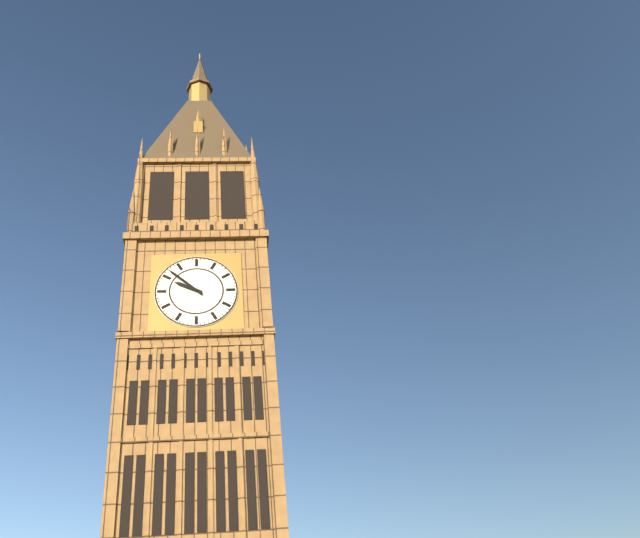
9:52
